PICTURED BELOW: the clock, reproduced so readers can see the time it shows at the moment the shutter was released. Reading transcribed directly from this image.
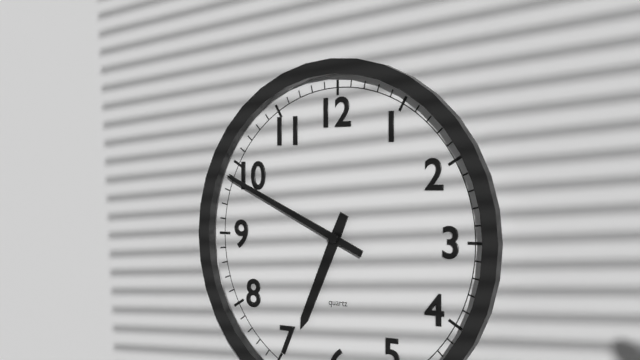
6:49
